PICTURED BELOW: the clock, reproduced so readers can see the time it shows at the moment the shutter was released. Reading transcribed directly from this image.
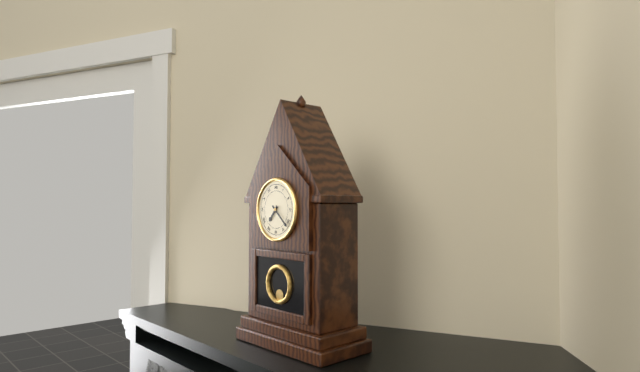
7:22
